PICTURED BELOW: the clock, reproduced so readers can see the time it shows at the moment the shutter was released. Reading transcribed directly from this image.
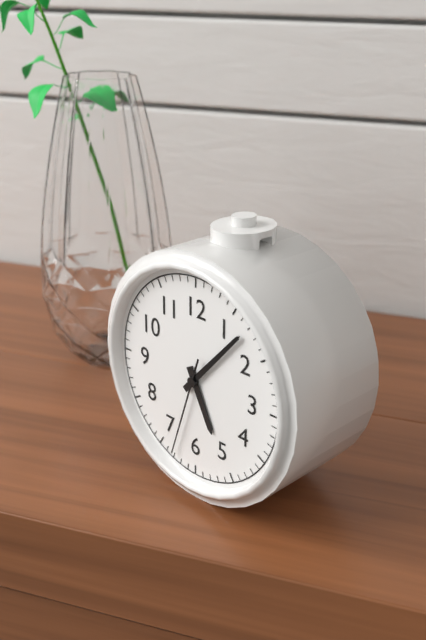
5:07:33
